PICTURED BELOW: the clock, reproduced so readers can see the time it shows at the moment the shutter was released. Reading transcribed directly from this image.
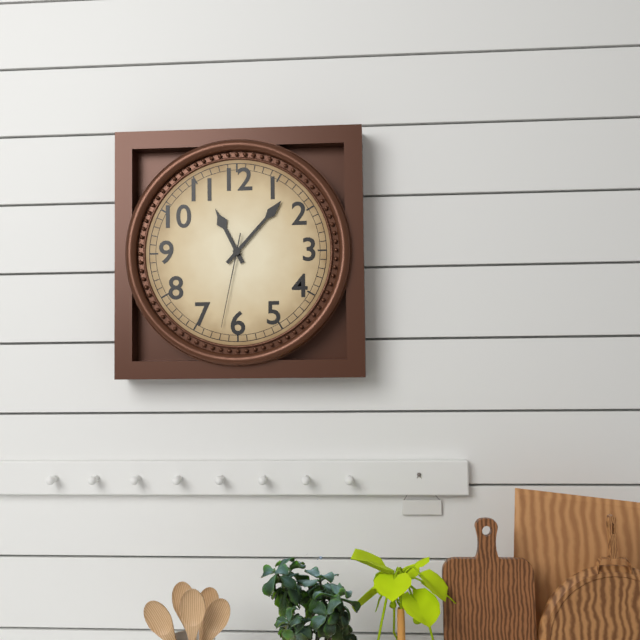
11:07:32
